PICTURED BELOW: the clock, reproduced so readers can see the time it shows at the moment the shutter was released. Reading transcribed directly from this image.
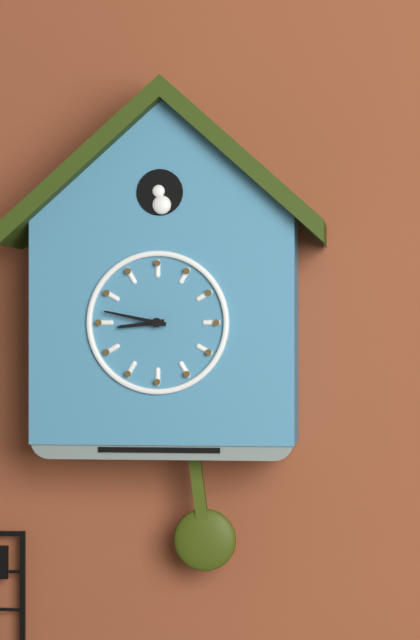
8:47
